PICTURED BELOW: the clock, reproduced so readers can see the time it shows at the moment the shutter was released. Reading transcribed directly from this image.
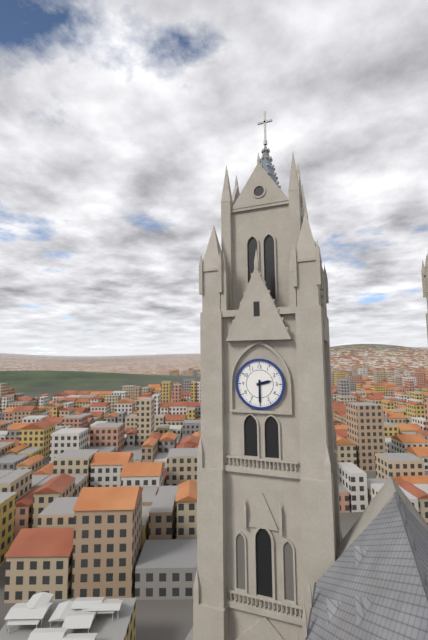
2:30
